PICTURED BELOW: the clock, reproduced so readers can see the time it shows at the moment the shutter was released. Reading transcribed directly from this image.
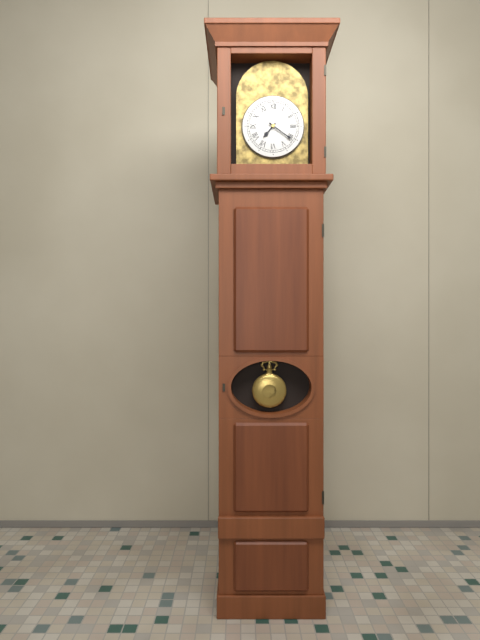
7:21
